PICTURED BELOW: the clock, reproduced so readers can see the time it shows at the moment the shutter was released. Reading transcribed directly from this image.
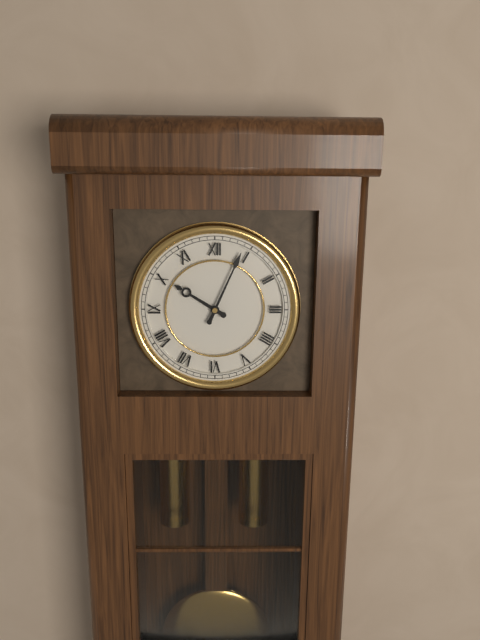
10:04
